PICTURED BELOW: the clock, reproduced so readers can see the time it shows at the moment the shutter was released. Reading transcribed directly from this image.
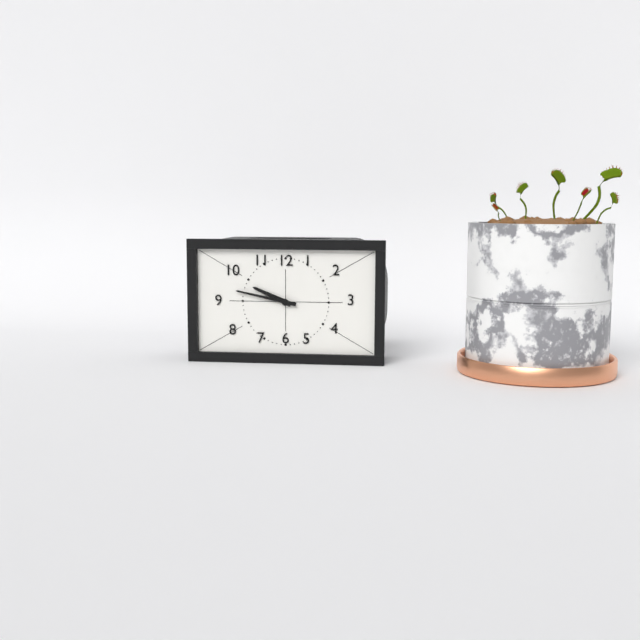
9:47
